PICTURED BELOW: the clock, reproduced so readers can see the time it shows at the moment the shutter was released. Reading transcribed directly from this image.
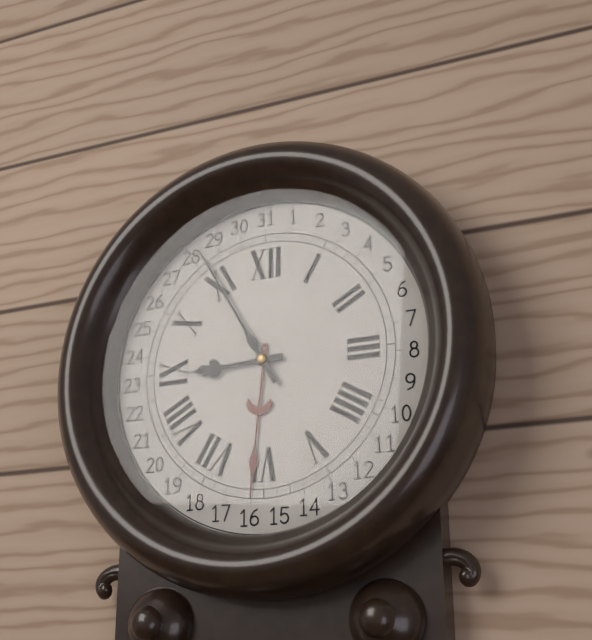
8:55
